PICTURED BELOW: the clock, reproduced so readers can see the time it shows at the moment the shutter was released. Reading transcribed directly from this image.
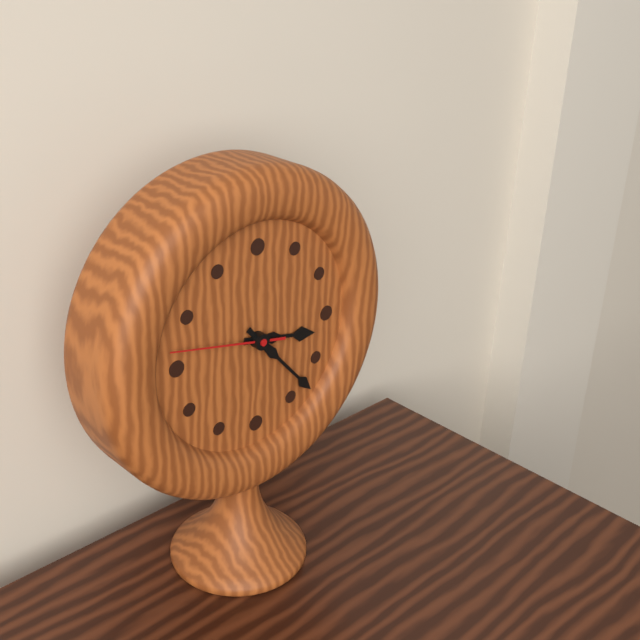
3:23:47
